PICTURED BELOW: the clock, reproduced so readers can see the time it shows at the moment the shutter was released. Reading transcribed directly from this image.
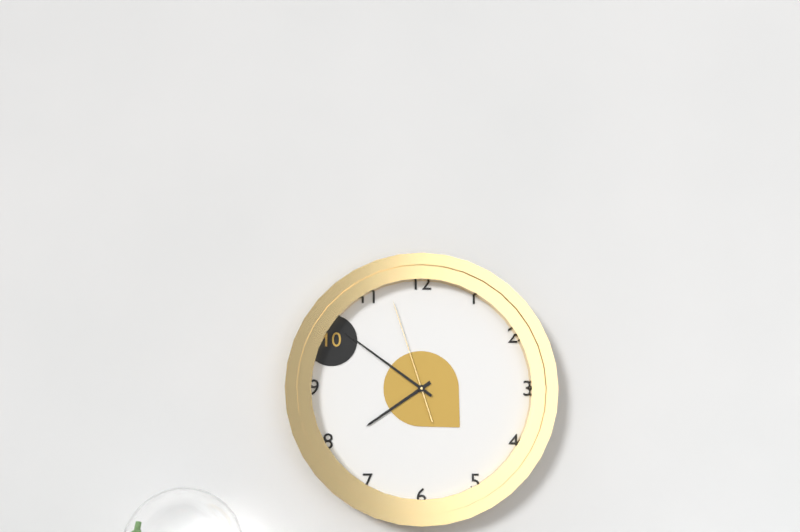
7:51:57
